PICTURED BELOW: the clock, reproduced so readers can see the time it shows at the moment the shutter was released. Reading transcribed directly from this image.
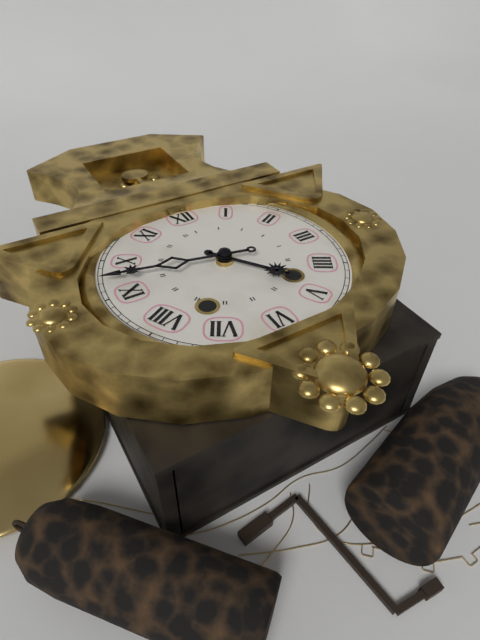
4:47
